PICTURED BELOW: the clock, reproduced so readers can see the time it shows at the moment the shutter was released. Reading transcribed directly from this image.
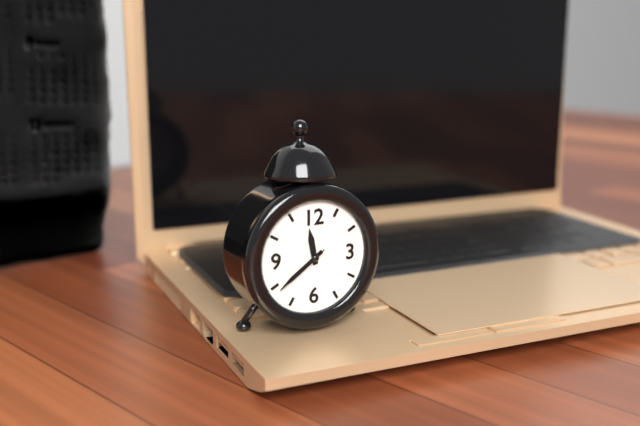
11:39:39
